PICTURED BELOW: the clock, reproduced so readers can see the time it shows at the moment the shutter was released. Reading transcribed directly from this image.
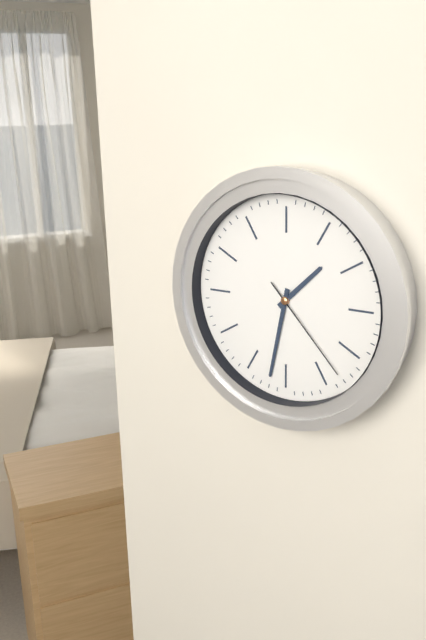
1:32:23
